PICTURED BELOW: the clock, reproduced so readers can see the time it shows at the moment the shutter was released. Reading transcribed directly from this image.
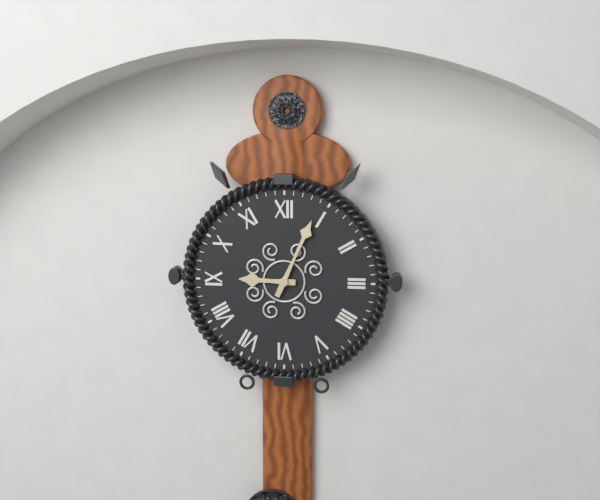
9:04
